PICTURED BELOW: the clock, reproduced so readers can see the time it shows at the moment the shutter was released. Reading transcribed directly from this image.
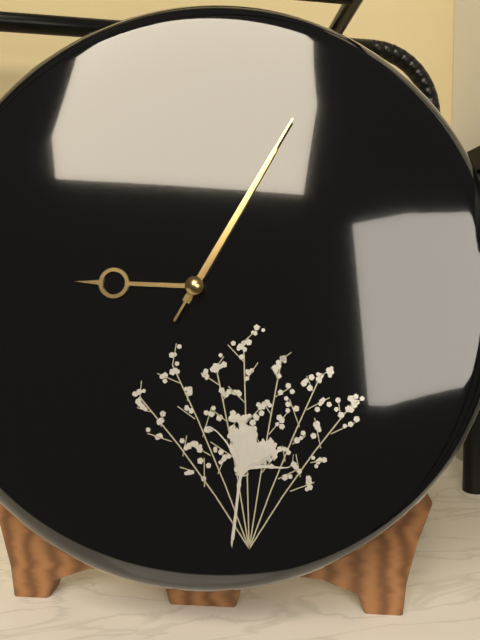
9:05:05
